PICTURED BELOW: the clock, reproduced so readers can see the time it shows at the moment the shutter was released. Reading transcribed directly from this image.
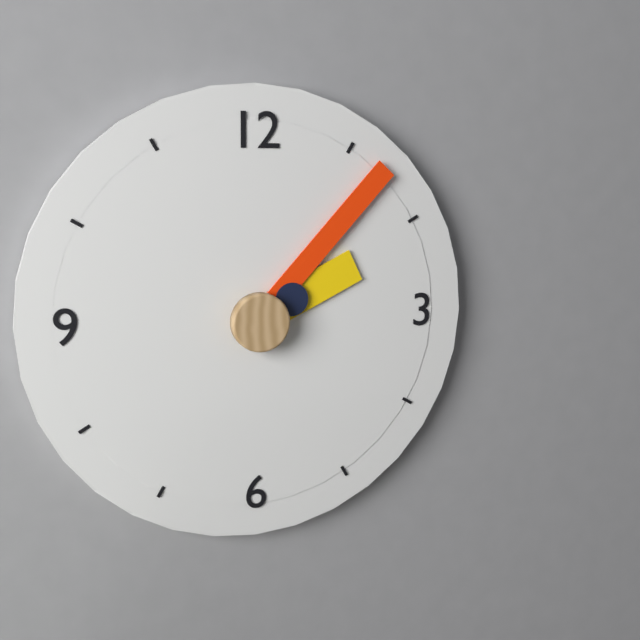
2:07:10
